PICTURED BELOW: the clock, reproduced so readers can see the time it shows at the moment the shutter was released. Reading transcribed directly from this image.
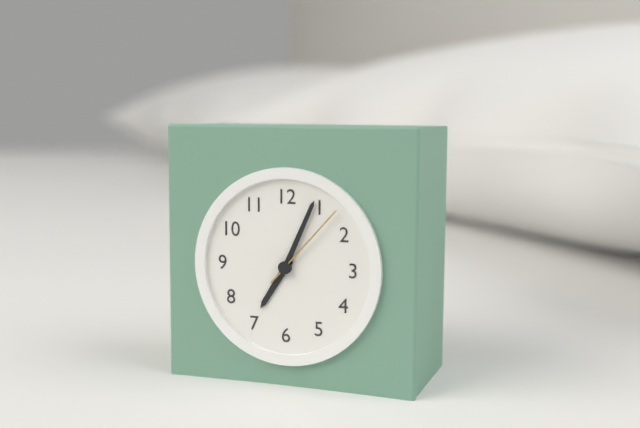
7:04:07
